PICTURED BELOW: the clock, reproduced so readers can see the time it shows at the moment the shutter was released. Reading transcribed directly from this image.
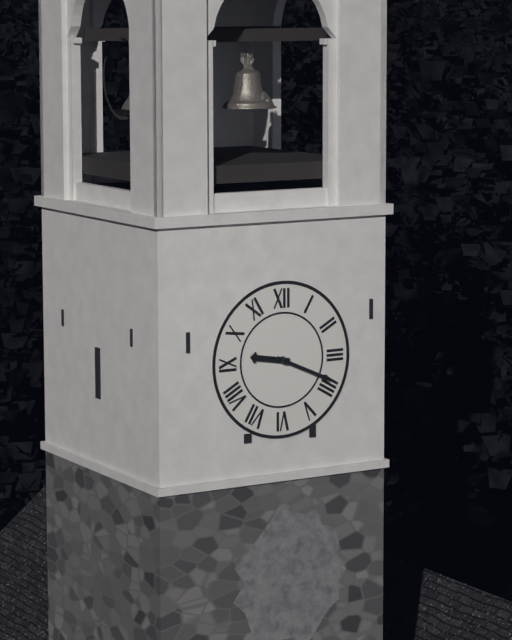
9:19
